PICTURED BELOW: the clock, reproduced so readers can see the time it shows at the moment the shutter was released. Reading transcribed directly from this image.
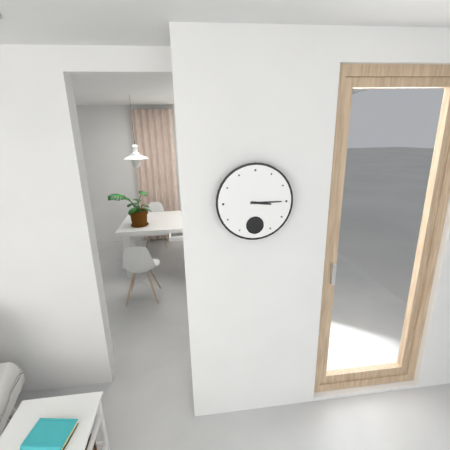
3:15
